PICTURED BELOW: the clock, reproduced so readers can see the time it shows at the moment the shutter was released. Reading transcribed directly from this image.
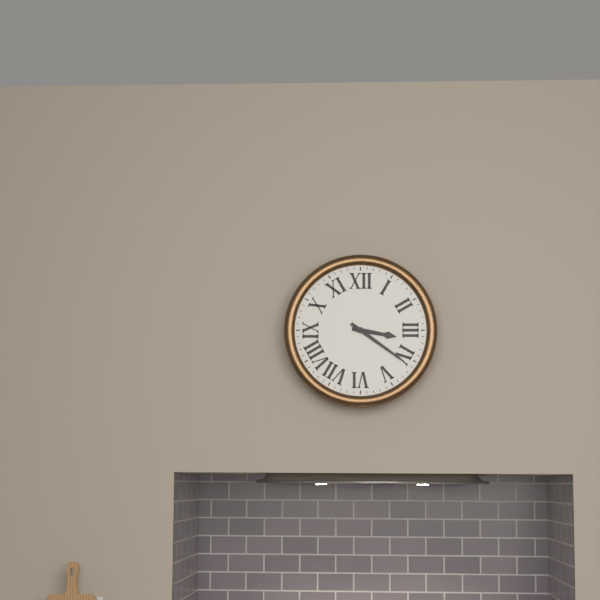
3:21
